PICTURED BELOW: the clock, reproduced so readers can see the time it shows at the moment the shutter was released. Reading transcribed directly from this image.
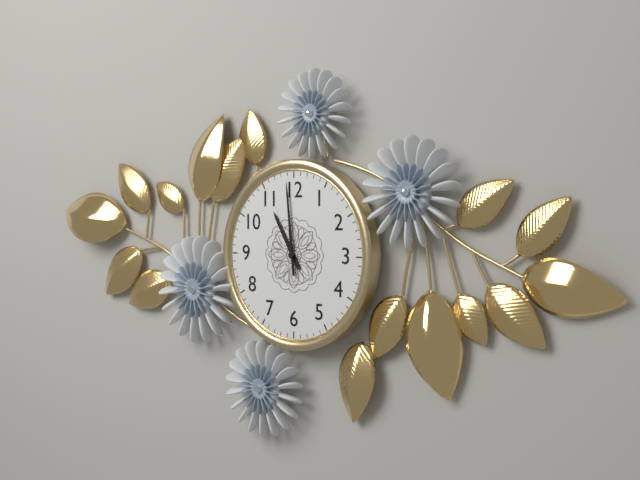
10:59
